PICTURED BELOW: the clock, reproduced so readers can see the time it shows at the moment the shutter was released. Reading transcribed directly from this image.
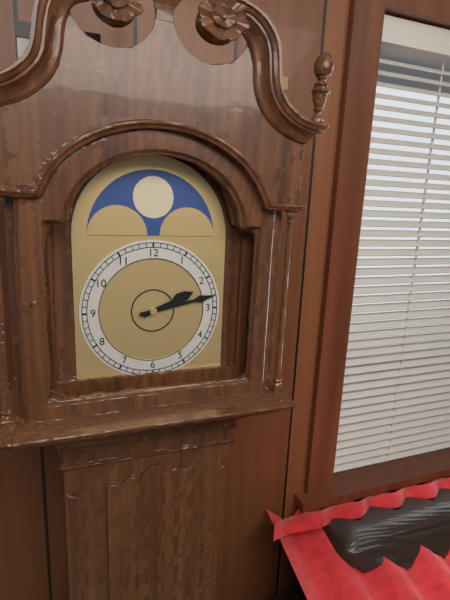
2:13
